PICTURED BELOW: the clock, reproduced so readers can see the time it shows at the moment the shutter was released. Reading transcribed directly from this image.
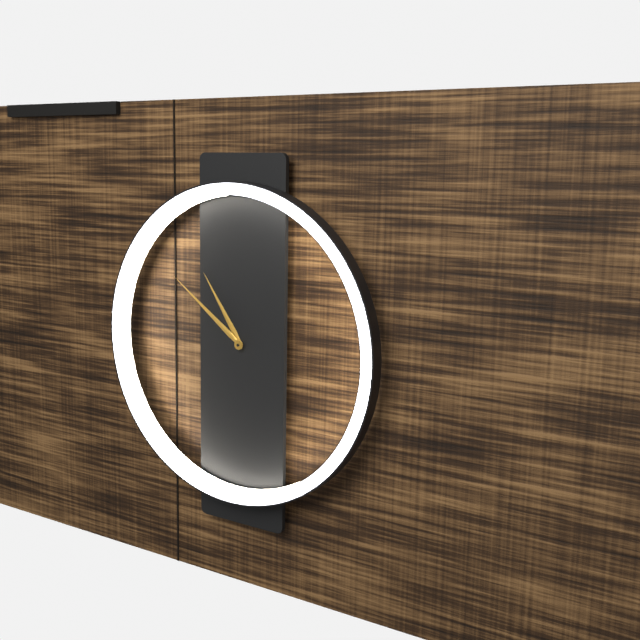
10:51
